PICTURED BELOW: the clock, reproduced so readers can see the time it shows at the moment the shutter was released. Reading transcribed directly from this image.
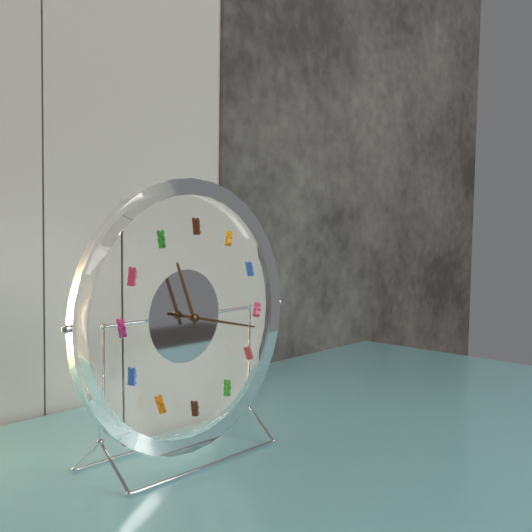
11:17
